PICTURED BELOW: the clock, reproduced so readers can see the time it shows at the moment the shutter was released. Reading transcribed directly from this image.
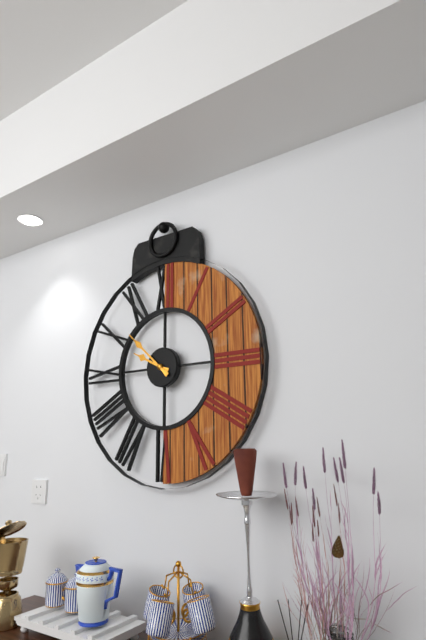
9:52
